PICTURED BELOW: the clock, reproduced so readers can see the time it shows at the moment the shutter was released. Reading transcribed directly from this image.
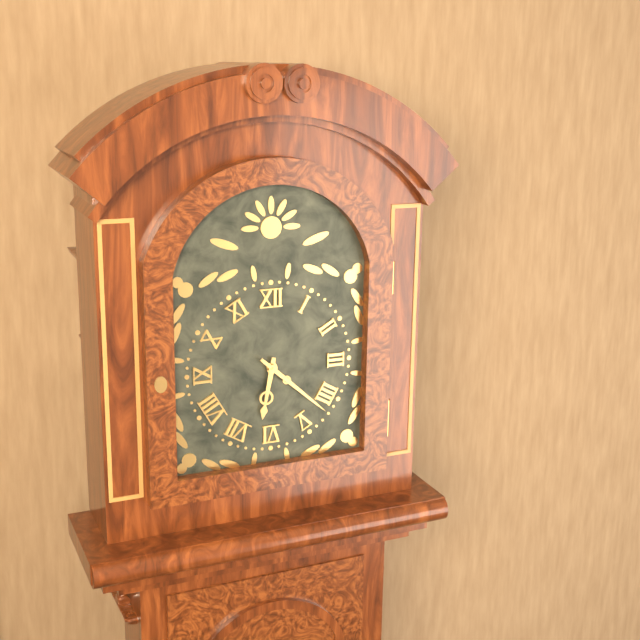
6:22
